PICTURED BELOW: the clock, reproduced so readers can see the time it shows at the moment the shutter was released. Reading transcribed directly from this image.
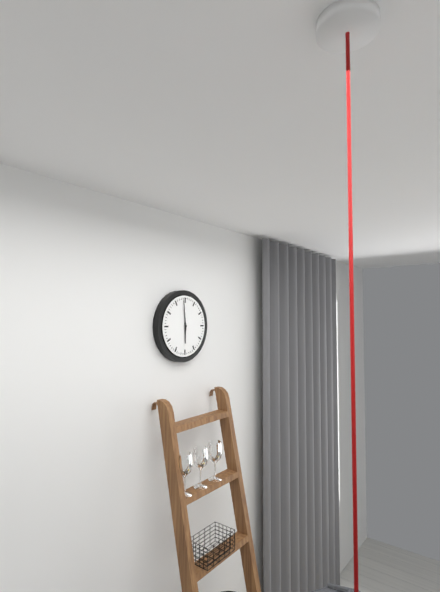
5:59
